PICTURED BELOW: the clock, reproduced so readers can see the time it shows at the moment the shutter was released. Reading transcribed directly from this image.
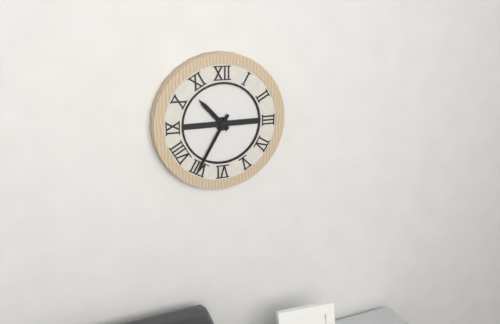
10:35
